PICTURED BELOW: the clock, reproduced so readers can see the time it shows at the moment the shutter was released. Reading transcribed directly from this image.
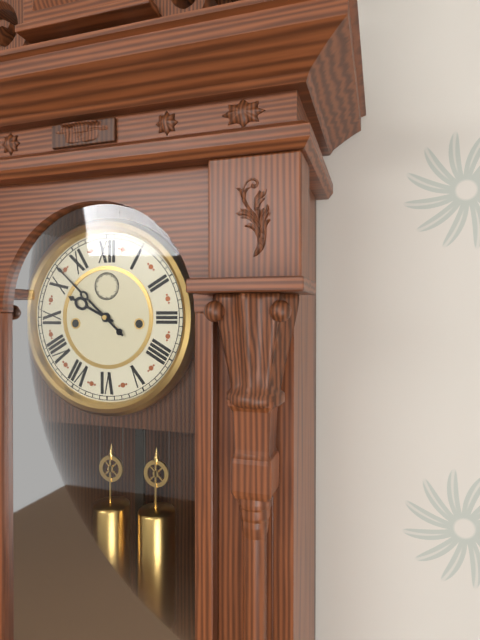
9:52
